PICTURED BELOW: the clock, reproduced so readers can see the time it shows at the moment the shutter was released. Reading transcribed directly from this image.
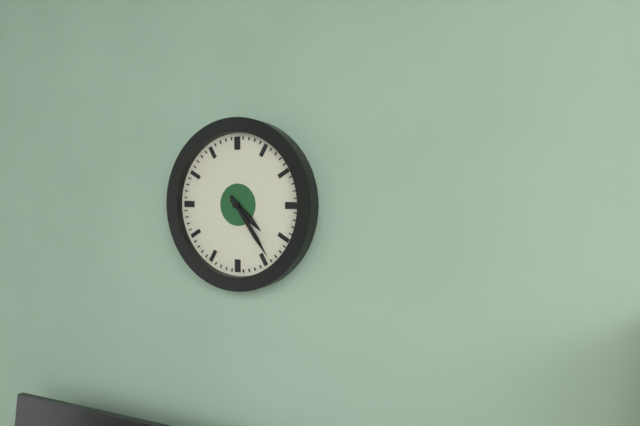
4:24
